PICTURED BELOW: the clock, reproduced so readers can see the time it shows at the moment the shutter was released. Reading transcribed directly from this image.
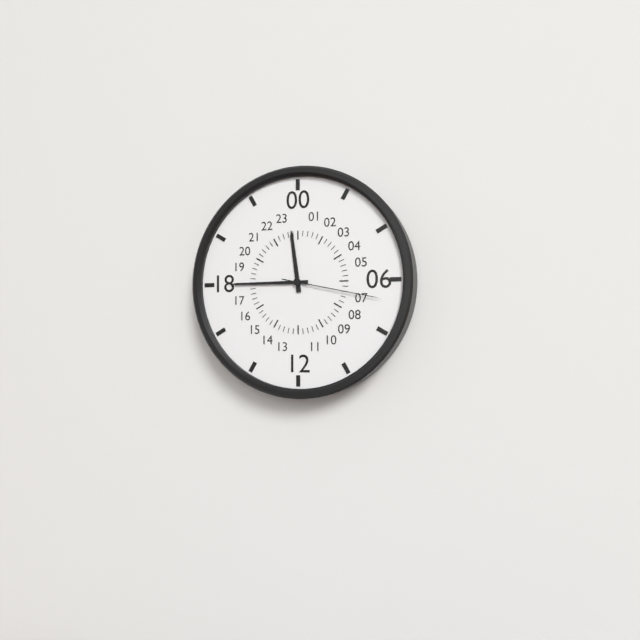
11:45:17
